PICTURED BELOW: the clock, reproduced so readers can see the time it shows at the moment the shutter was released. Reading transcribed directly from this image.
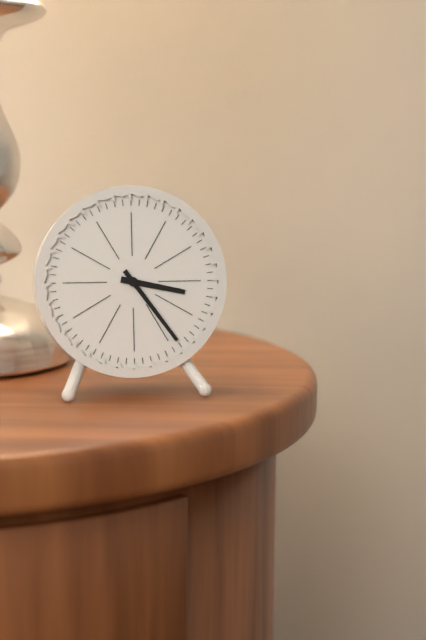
3:24
